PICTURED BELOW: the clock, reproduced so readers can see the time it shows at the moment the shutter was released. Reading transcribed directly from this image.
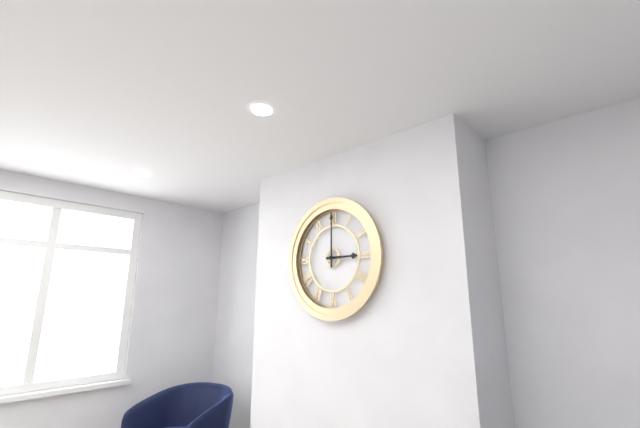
3:00
